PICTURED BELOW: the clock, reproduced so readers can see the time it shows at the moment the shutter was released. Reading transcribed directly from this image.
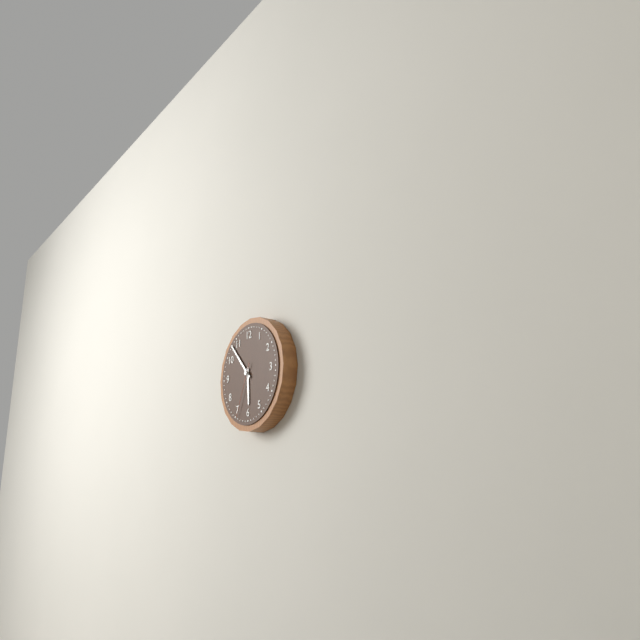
5:53:34
